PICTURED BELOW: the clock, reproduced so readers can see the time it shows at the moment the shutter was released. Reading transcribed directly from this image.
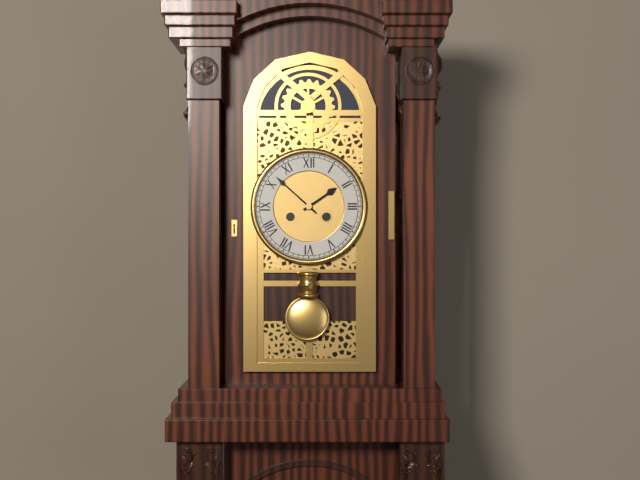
1:52
